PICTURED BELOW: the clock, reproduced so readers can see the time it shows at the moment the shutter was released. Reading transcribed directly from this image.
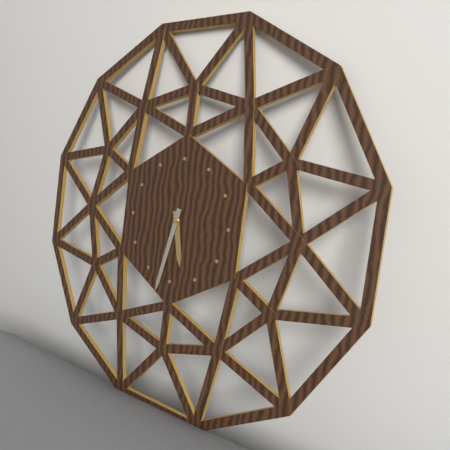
5:32
